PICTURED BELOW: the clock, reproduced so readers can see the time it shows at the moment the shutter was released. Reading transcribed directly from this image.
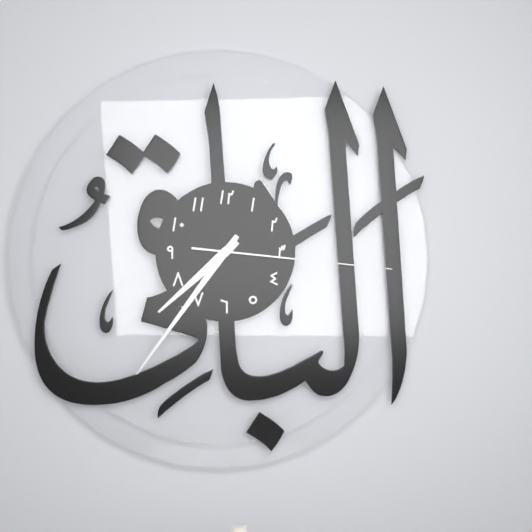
7:36:16
